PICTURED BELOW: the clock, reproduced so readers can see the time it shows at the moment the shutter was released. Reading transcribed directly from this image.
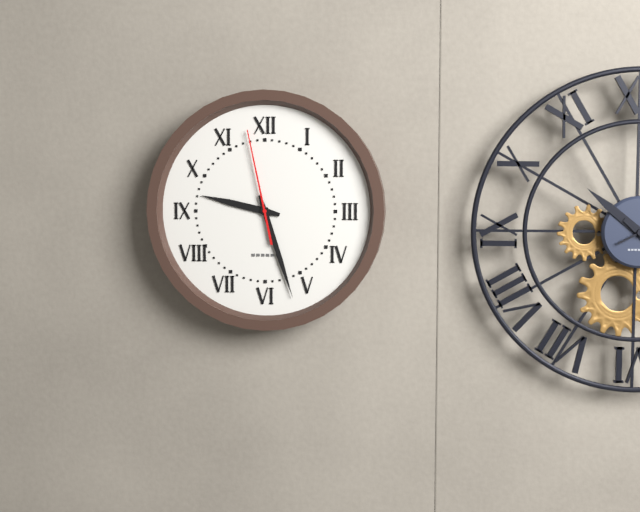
9:27:58
